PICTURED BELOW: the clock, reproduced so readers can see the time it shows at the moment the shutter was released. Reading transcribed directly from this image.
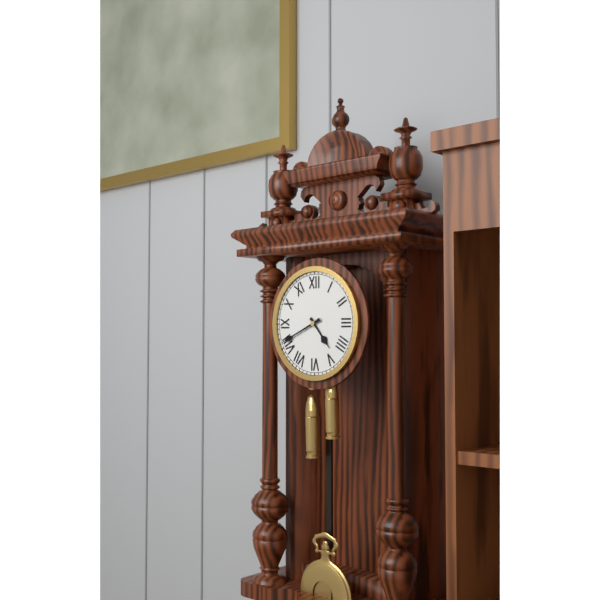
4:41
